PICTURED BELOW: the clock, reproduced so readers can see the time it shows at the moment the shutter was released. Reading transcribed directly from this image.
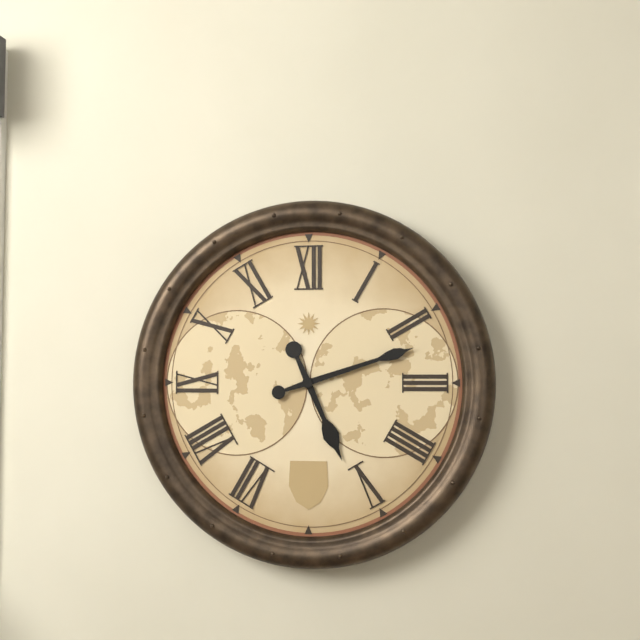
5:12
